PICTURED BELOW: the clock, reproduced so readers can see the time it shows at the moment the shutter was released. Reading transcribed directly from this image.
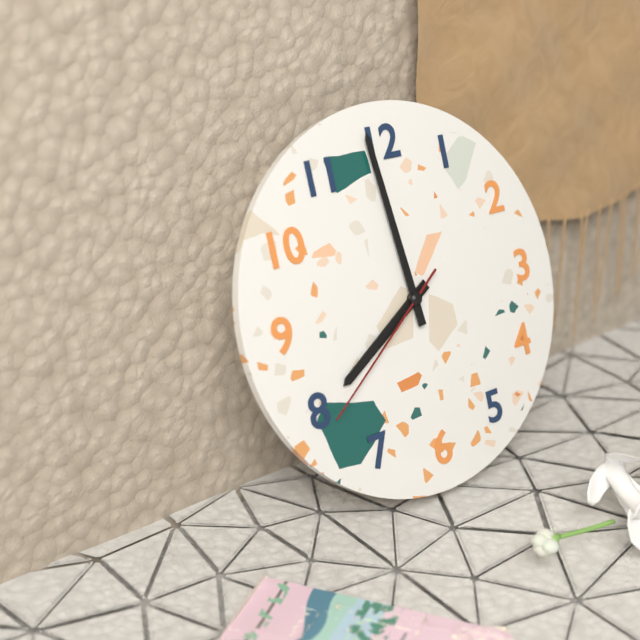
7:59:39
